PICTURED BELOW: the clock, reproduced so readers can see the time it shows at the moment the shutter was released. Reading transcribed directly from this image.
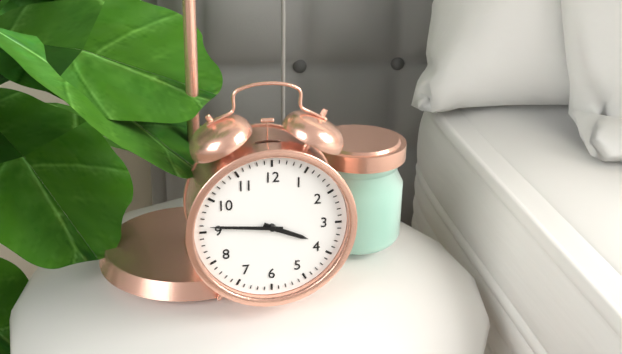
3:46
